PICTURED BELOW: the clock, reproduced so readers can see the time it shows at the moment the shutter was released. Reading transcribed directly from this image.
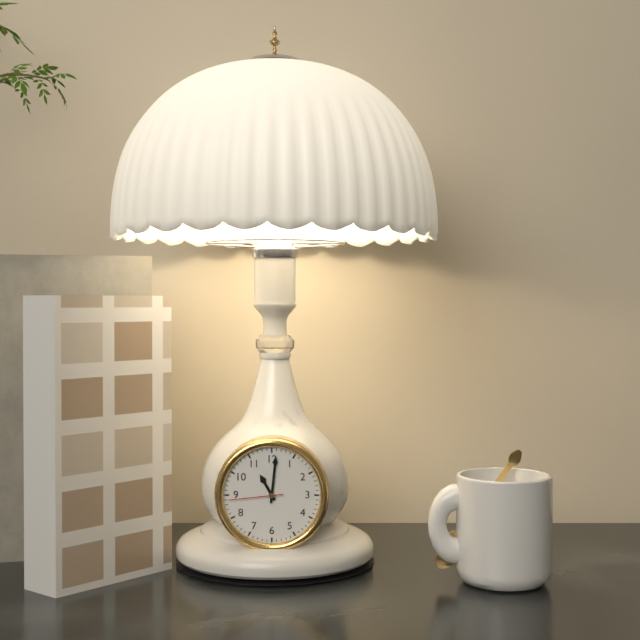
11:01:44
